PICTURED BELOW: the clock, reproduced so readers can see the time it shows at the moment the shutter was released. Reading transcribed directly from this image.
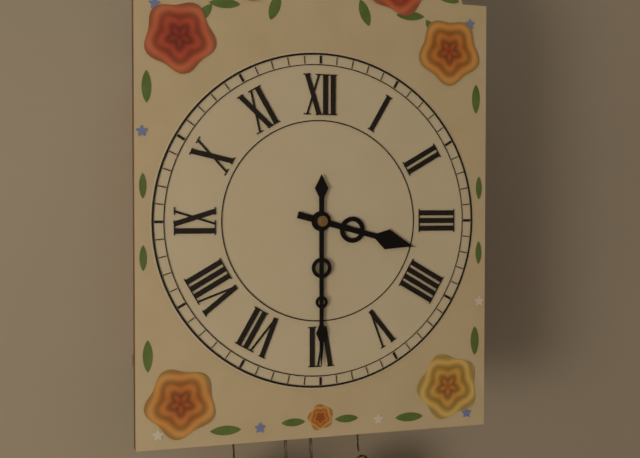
3:30
